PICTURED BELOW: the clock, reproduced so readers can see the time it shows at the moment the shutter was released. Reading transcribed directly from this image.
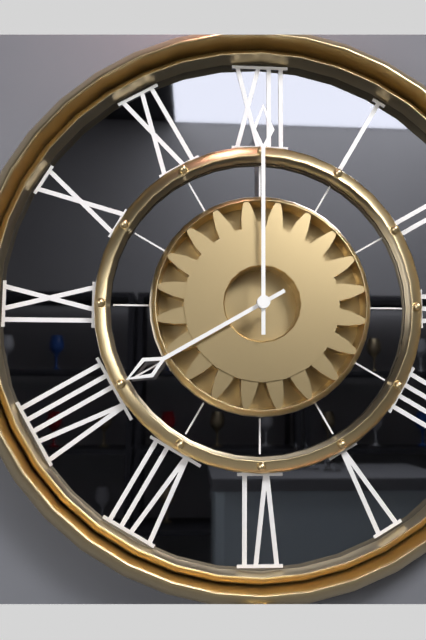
8:00
